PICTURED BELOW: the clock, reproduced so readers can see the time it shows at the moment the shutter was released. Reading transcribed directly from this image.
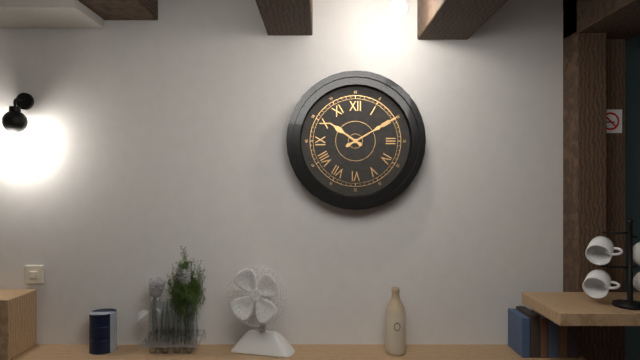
10:10
